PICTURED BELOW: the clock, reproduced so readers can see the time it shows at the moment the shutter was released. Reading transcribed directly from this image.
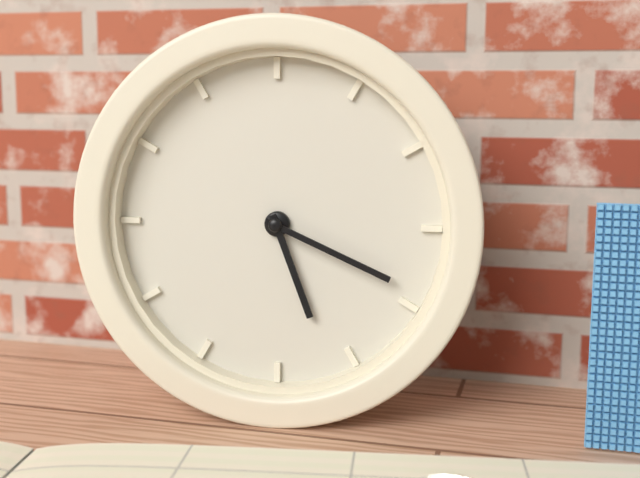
5:19
